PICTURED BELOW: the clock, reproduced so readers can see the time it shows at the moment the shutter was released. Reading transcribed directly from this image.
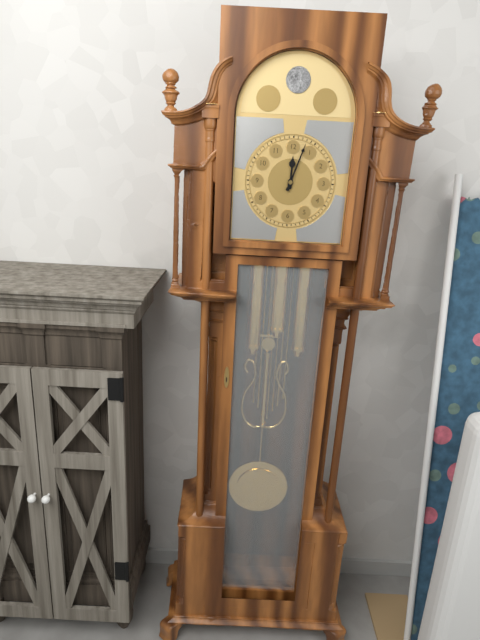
12:03
